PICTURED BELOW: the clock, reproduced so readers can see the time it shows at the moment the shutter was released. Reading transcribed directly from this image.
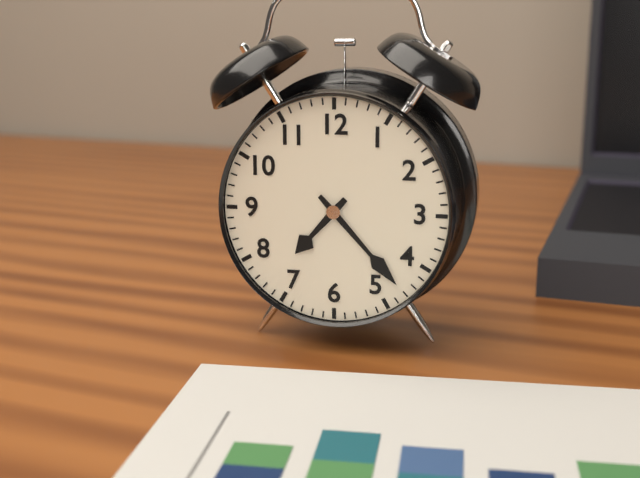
7:23
